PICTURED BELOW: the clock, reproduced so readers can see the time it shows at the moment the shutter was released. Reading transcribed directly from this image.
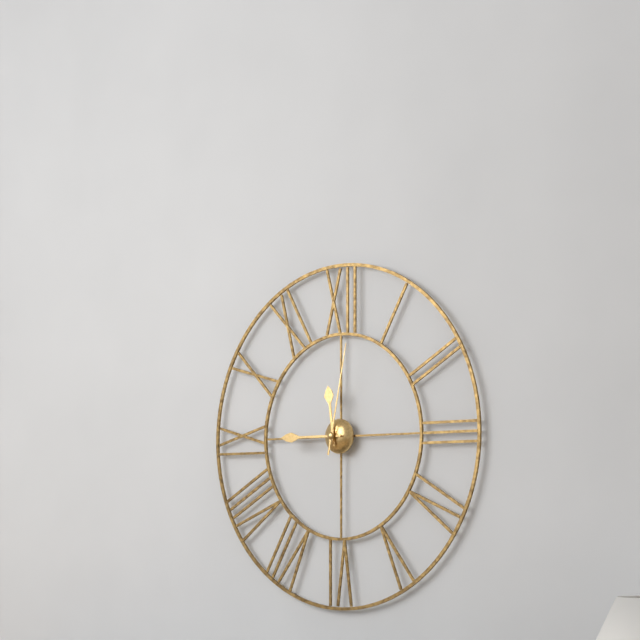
11:45:02
